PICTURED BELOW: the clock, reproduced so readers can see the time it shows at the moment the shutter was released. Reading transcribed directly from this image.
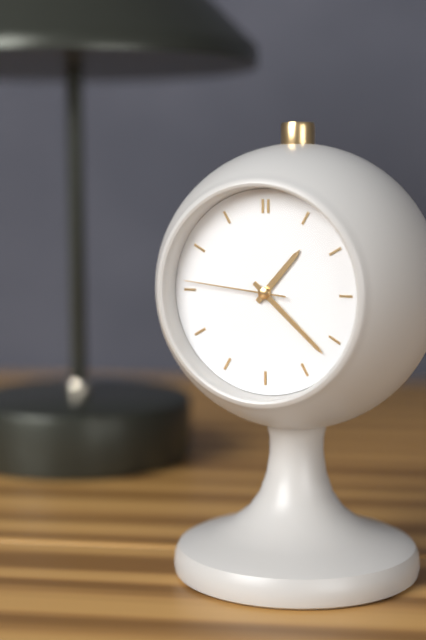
1:22:46
